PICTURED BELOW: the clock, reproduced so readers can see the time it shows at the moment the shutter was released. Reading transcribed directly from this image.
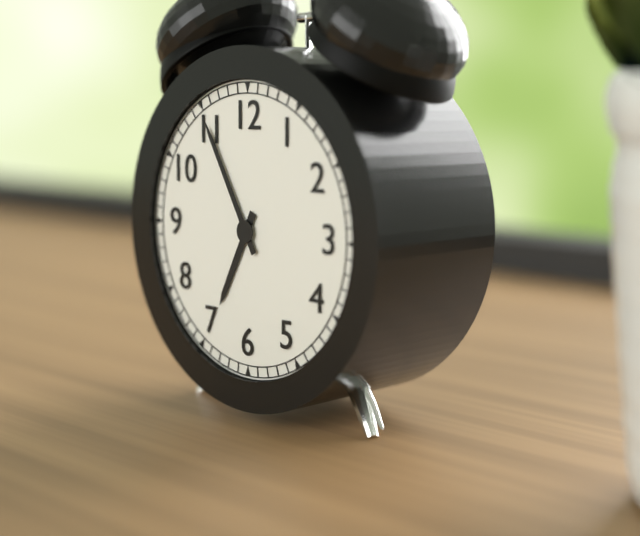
6:55
